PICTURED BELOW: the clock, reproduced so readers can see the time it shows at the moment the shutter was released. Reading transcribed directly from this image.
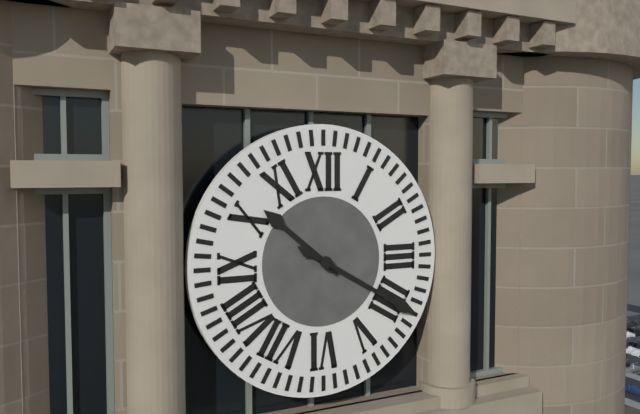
10:20
